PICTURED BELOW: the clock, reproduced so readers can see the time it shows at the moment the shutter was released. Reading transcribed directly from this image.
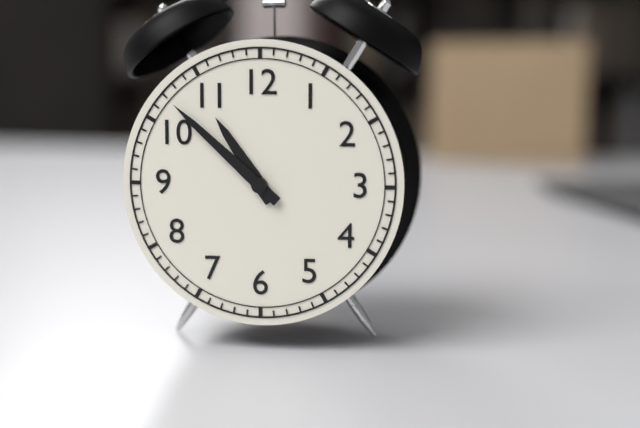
10:52
